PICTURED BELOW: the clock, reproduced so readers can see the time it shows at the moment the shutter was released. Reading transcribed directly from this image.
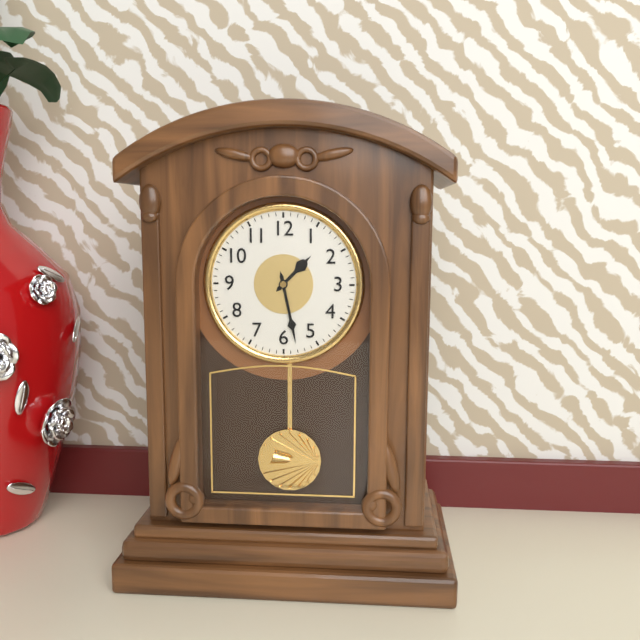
1:28
